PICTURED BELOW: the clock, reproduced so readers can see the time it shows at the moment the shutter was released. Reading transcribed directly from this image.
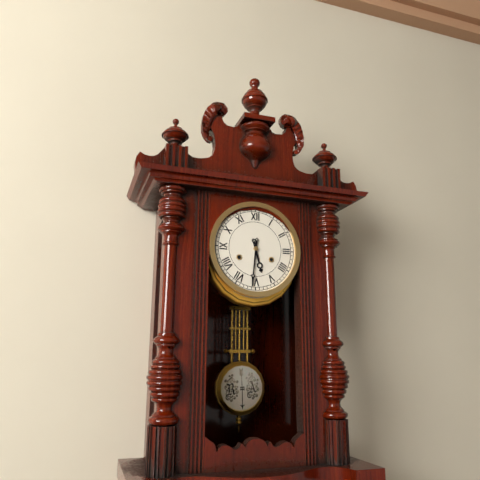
5:31
